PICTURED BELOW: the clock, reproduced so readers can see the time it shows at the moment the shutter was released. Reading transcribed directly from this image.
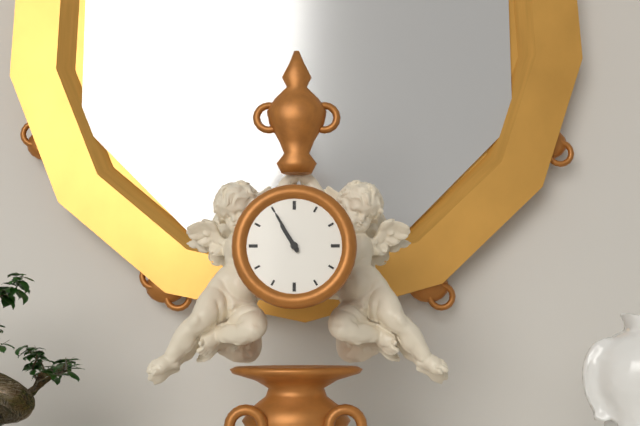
10:55
